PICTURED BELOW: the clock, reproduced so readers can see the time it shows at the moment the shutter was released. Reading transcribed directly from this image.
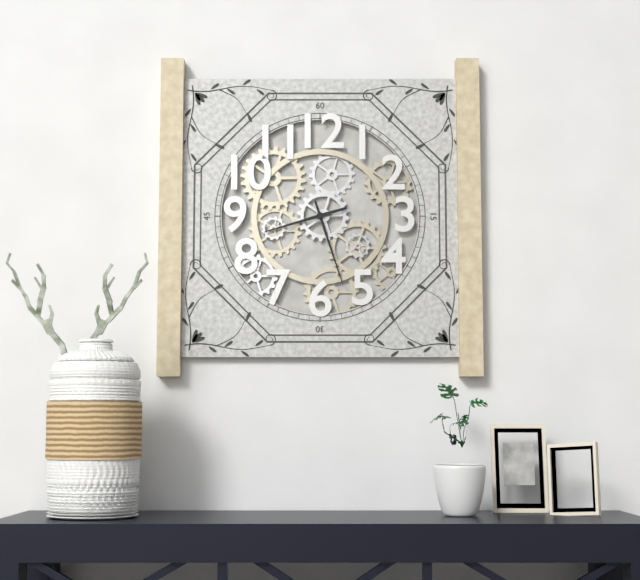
8:27
